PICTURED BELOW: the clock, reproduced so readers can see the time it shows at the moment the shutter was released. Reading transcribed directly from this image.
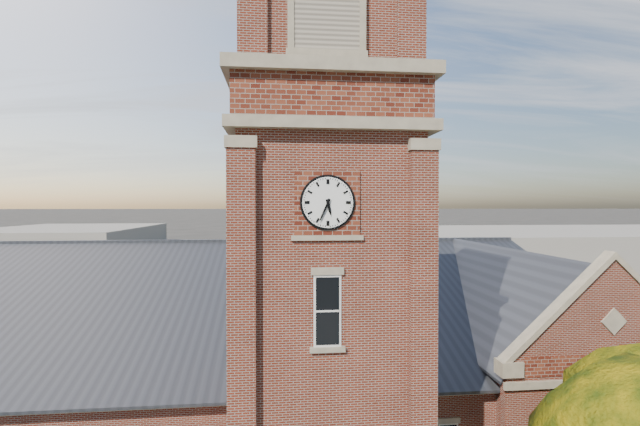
5:34
